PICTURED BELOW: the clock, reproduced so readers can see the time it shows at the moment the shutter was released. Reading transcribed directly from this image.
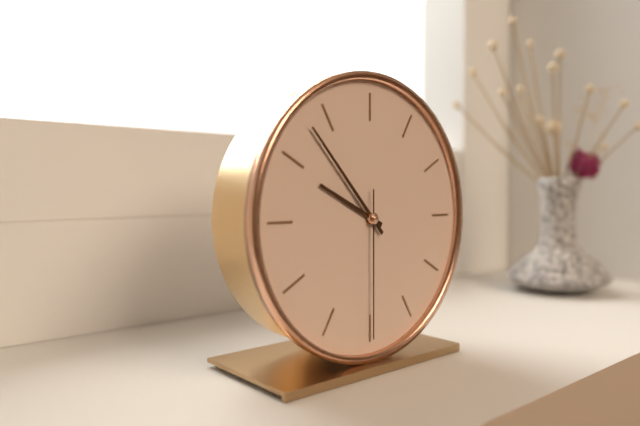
9:53:30
